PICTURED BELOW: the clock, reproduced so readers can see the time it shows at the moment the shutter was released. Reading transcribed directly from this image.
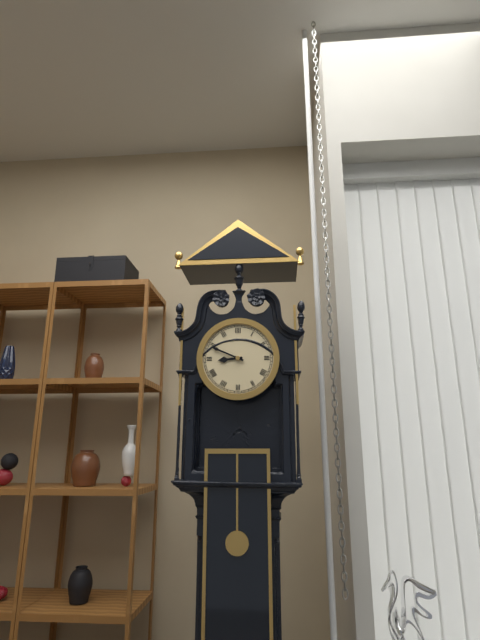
8:49
